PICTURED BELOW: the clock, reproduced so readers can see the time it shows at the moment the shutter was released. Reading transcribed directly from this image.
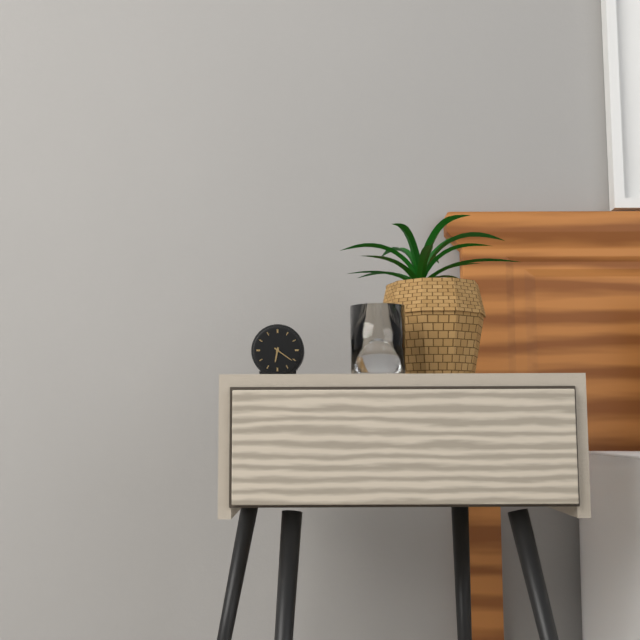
6:21
